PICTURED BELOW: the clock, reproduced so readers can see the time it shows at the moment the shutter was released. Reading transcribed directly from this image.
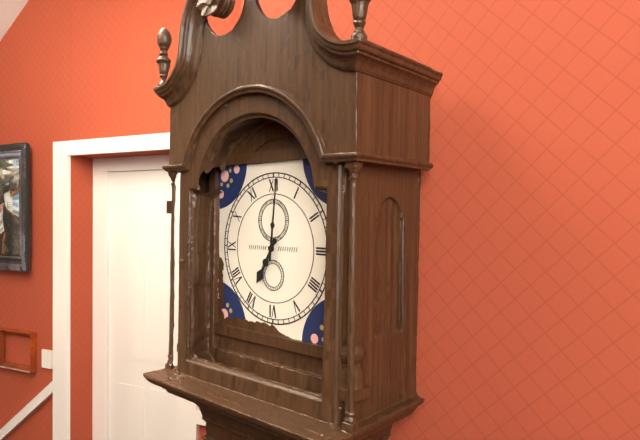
7:01
